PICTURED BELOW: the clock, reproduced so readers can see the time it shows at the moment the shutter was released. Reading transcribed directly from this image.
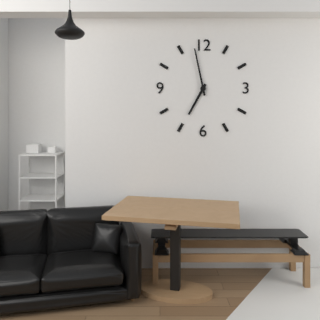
6:58
